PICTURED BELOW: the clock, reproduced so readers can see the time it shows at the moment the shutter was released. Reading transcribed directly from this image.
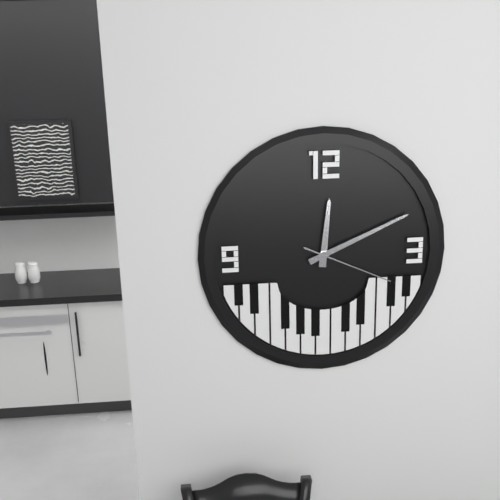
12:11:19
